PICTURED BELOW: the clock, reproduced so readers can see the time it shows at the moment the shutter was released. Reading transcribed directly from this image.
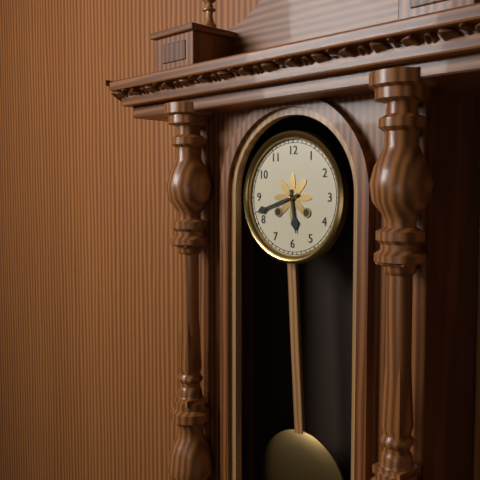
5:42
